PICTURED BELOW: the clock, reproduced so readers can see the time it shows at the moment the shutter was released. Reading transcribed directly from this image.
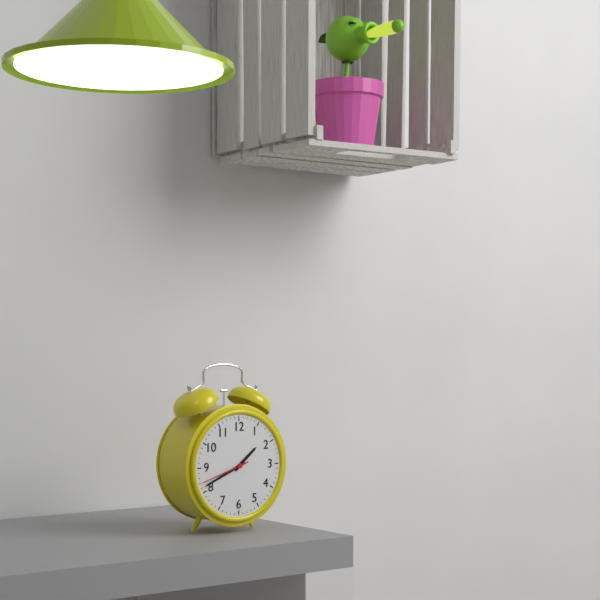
1:41:42
